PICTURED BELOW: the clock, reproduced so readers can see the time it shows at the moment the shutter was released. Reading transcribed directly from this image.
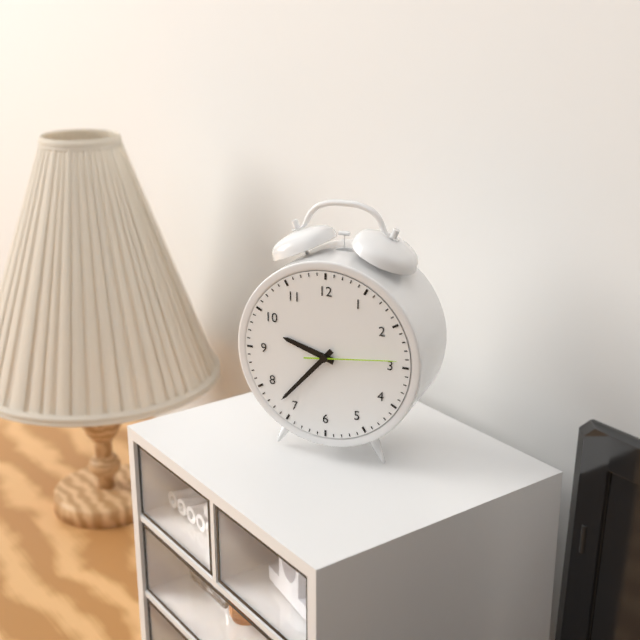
9:37:14
